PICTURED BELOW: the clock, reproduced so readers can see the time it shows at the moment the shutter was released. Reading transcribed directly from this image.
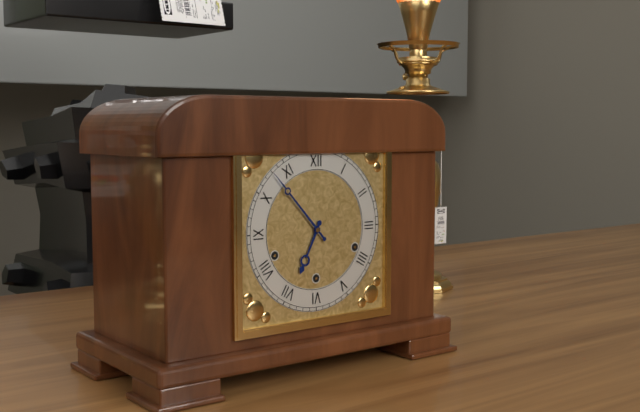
6:53
